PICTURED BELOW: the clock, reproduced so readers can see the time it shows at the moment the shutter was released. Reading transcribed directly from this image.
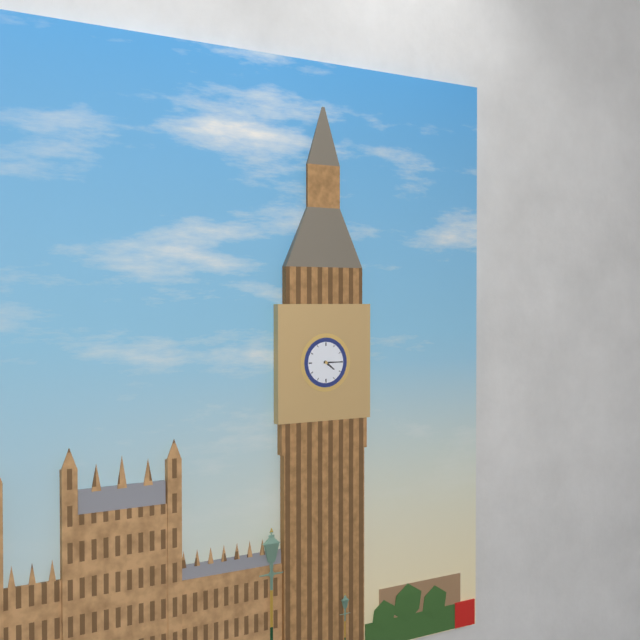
4:15
